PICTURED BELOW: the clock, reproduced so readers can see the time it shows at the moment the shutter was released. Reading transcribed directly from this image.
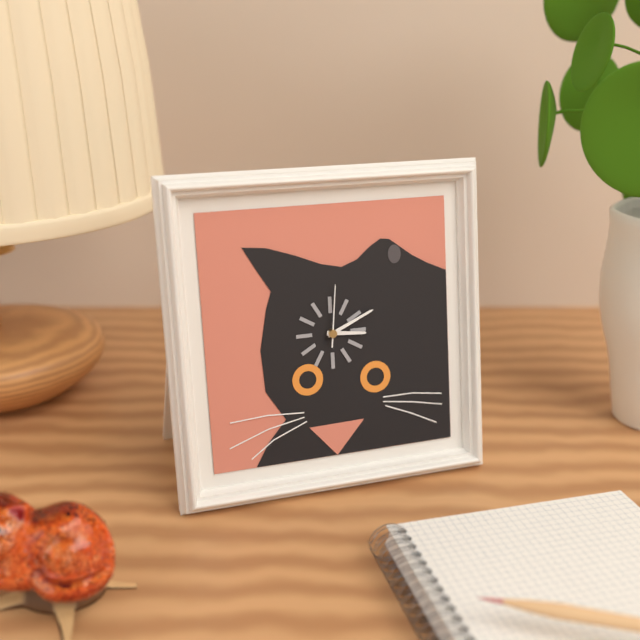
3:11:01
